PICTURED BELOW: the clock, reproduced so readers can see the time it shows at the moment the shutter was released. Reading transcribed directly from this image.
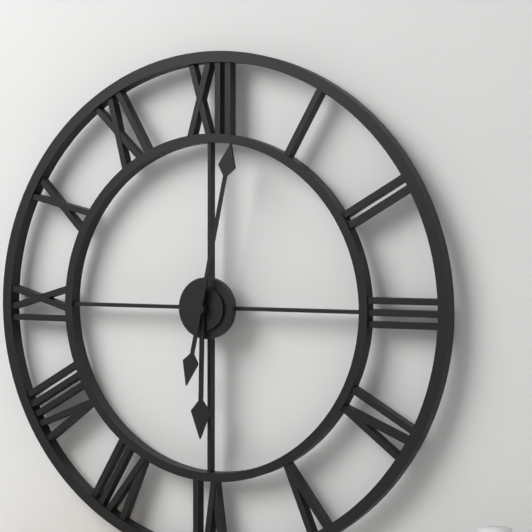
6:02
